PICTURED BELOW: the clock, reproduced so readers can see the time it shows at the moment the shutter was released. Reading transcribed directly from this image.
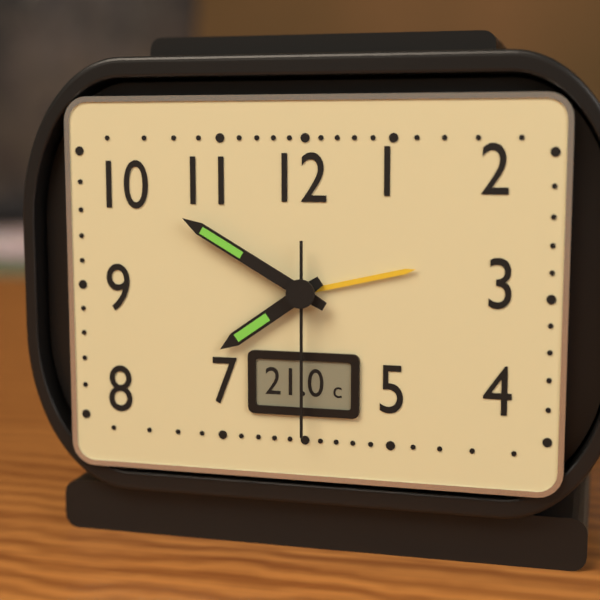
7:50:30
